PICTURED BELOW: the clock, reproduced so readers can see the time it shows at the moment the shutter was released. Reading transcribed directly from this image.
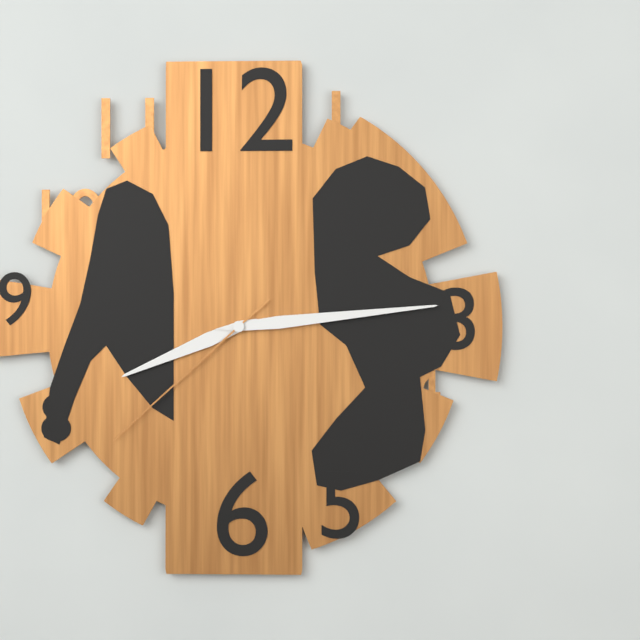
8:14:38
